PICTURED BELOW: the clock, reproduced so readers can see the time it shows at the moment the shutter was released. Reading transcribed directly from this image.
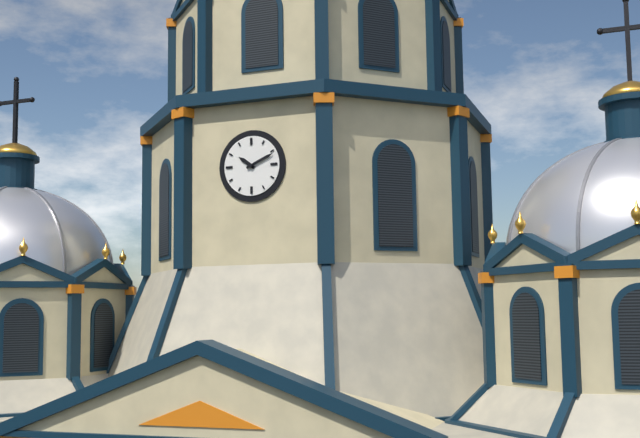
10:11
